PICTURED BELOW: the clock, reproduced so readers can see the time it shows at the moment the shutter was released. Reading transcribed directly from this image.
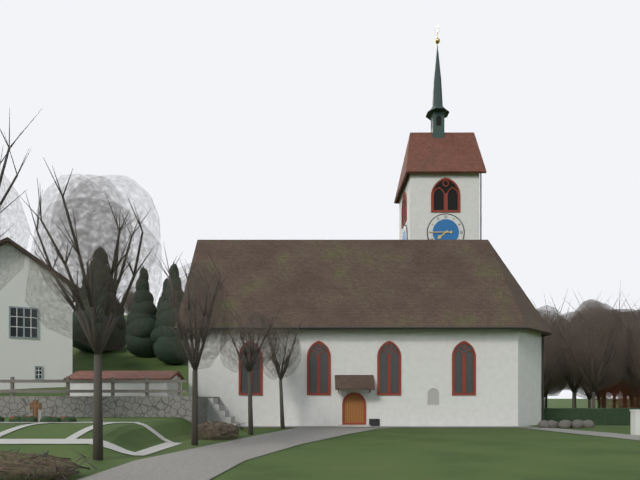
7:45
